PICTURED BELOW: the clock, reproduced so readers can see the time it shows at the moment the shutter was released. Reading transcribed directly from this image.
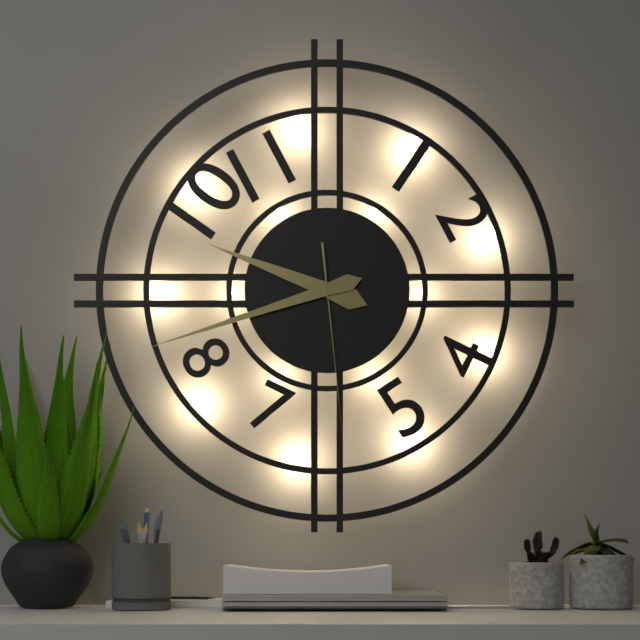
9:42:29
